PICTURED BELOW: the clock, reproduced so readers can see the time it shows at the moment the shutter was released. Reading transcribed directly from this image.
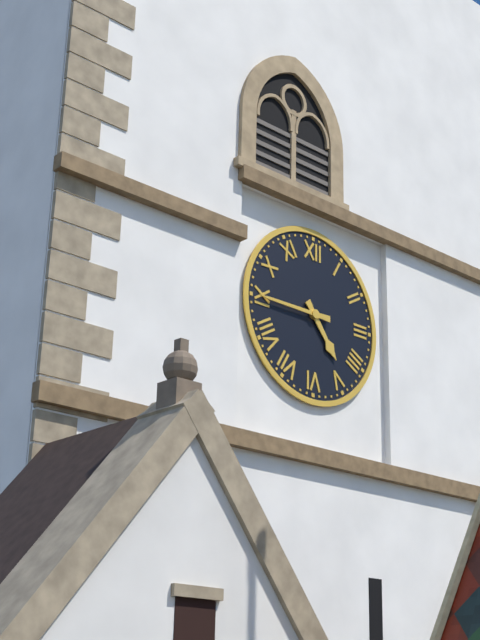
4:45
